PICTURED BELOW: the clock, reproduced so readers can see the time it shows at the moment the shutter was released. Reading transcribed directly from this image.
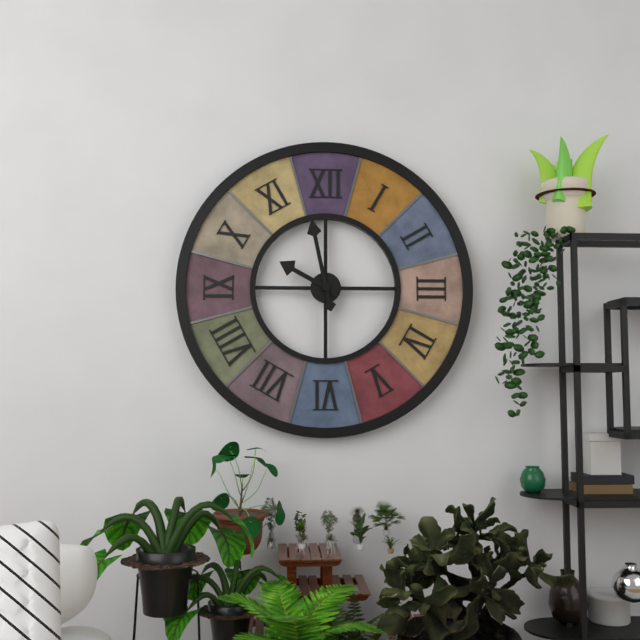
9:58
